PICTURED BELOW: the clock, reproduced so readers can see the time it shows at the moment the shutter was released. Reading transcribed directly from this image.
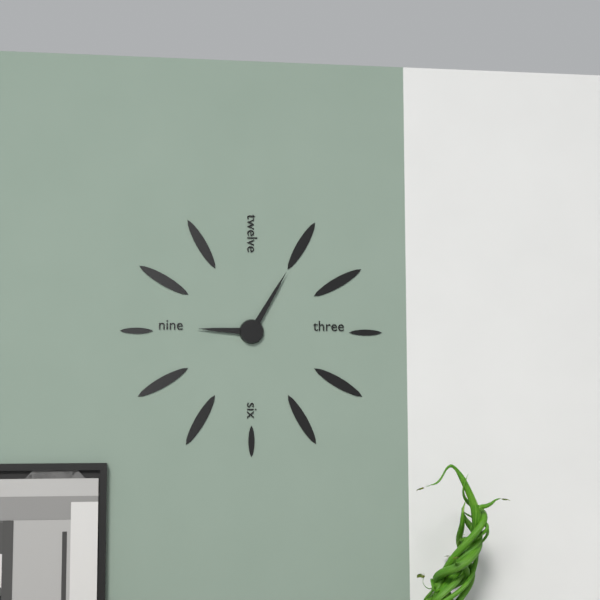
9:05
